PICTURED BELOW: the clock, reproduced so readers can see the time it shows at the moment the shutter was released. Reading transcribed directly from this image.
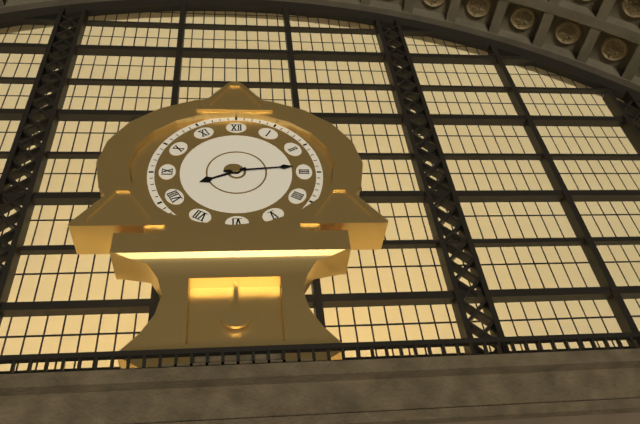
8:14
